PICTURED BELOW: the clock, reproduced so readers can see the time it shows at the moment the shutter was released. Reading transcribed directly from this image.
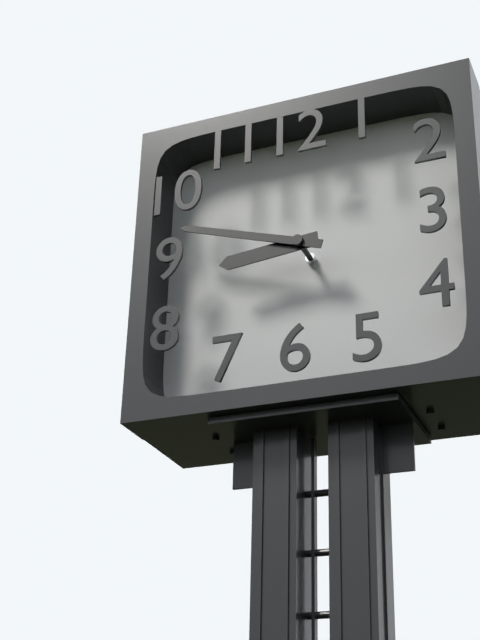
8:48
